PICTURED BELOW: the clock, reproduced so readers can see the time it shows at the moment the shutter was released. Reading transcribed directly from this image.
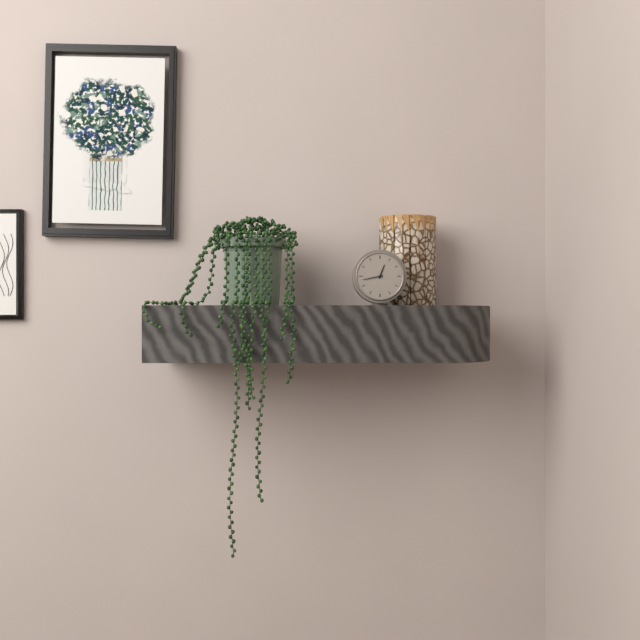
12:43
